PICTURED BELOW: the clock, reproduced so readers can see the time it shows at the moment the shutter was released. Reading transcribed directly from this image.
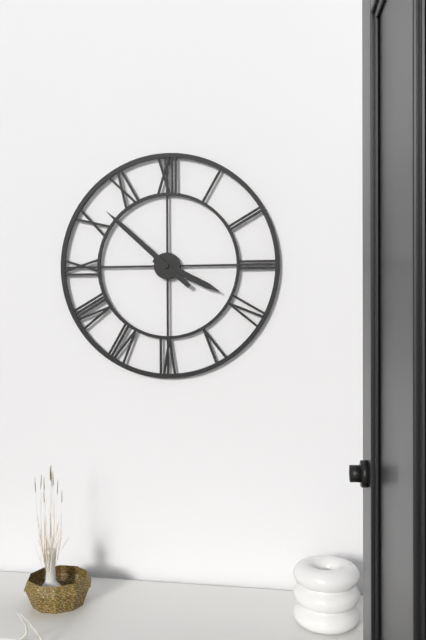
3:52
